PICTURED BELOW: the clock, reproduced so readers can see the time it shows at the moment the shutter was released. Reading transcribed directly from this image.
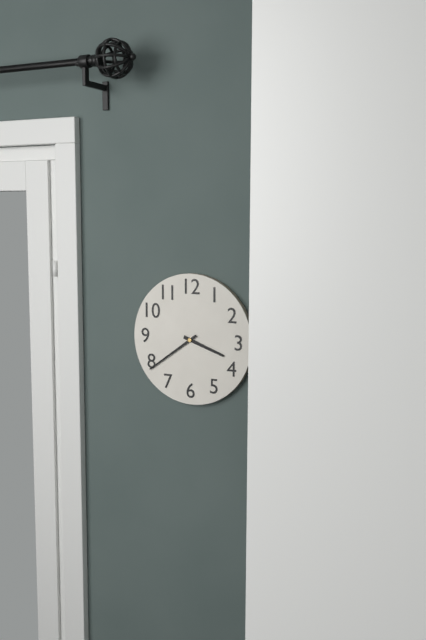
3:39
